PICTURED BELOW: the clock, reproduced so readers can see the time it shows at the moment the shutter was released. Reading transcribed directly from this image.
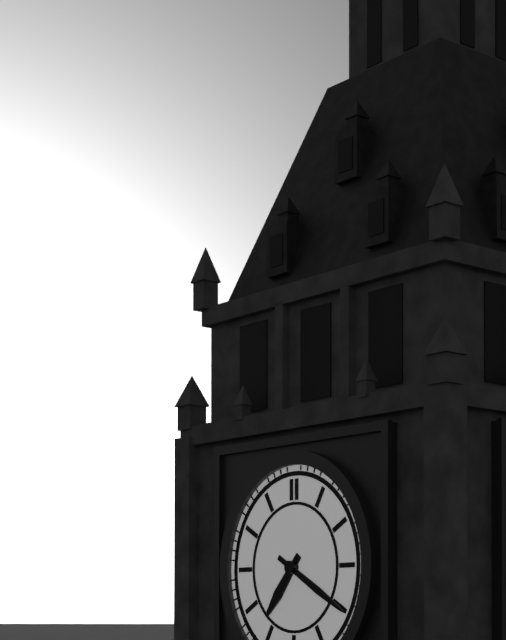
7:20
